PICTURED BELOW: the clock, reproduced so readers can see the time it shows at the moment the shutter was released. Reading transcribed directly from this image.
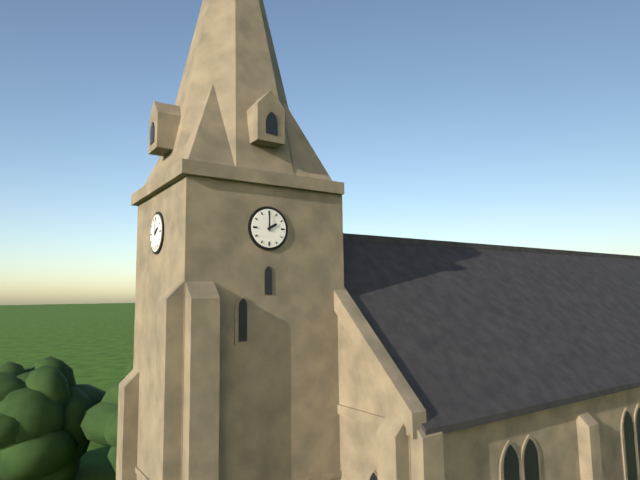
2:00
